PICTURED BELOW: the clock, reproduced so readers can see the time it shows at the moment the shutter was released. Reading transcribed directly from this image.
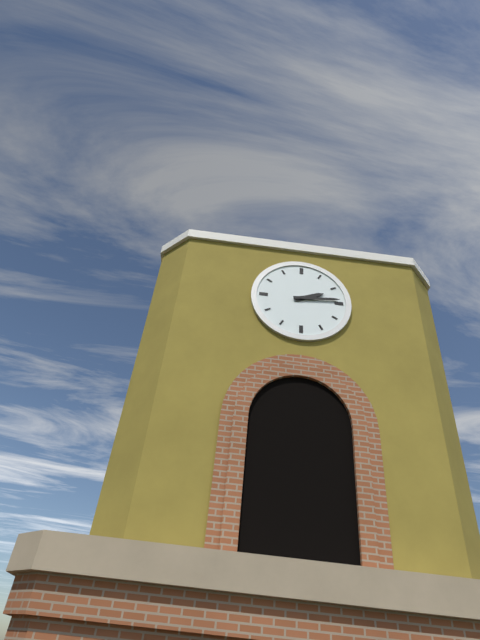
2:14
